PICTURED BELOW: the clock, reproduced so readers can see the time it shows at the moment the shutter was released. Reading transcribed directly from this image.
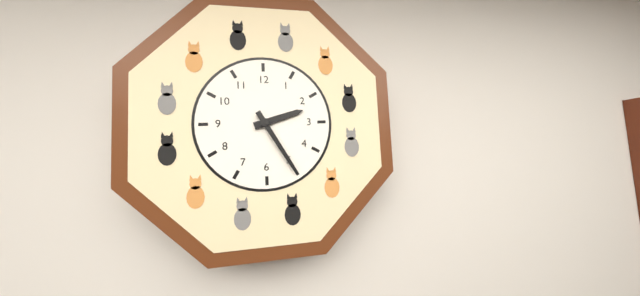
2:25
